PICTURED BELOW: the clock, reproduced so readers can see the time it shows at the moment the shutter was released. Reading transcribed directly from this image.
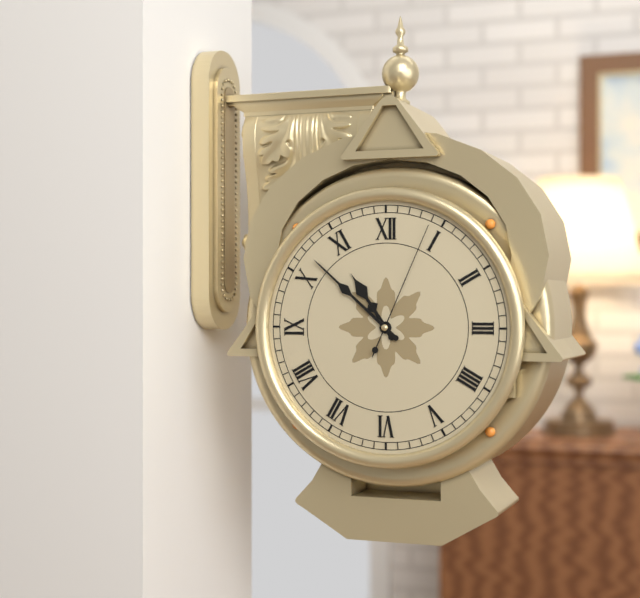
10:52:04
